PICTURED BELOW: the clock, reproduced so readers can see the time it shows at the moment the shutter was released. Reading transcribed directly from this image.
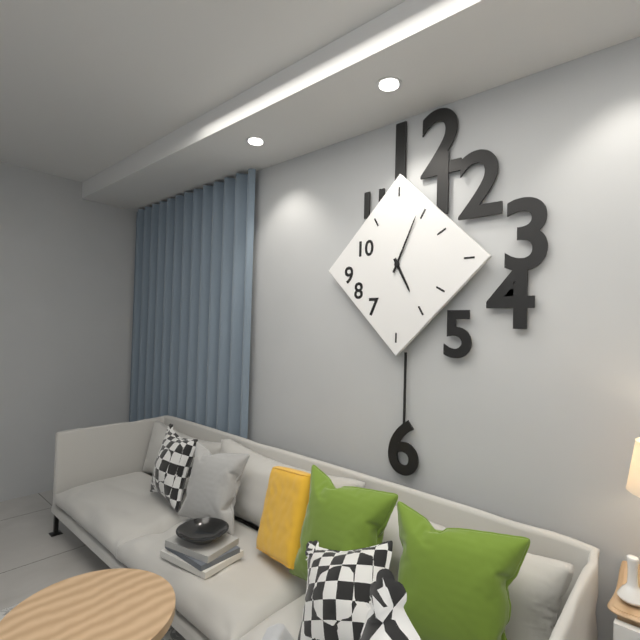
5:04
